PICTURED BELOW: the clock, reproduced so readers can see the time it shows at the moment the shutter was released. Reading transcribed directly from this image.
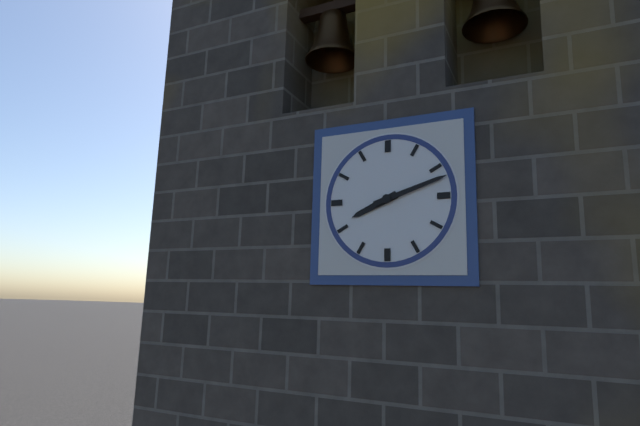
8:12
